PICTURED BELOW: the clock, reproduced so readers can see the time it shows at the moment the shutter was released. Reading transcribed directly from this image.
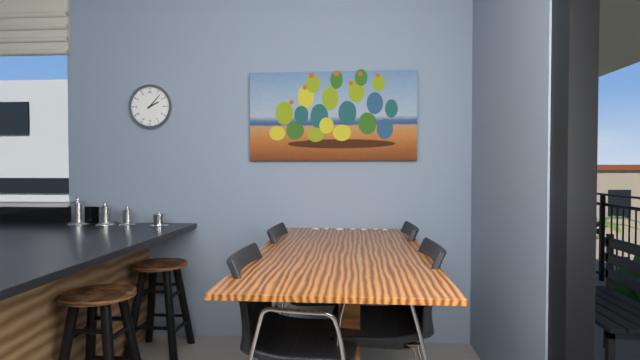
2:07
